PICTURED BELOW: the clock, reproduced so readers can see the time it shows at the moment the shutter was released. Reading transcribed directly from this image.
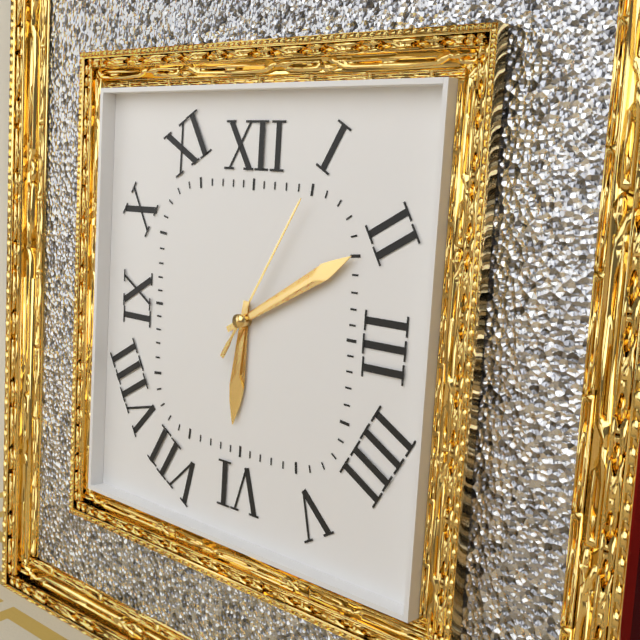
6:10:05
